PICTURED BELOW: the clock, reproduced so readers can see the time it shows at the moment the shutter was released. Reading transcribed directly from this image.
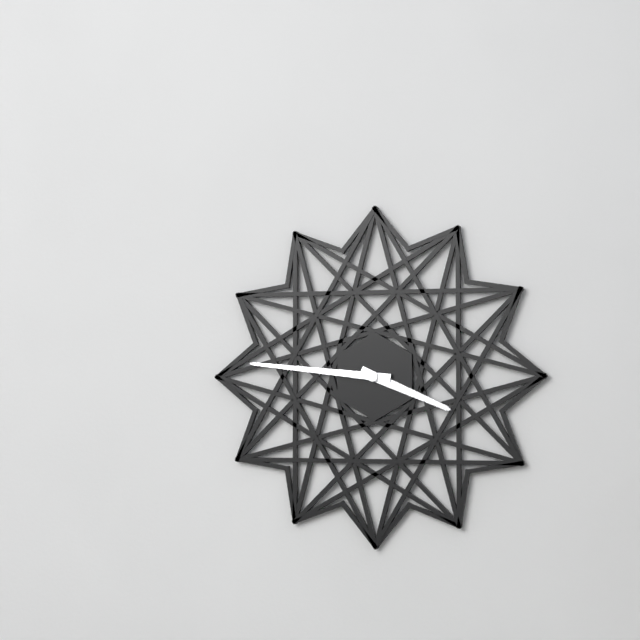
3:46
